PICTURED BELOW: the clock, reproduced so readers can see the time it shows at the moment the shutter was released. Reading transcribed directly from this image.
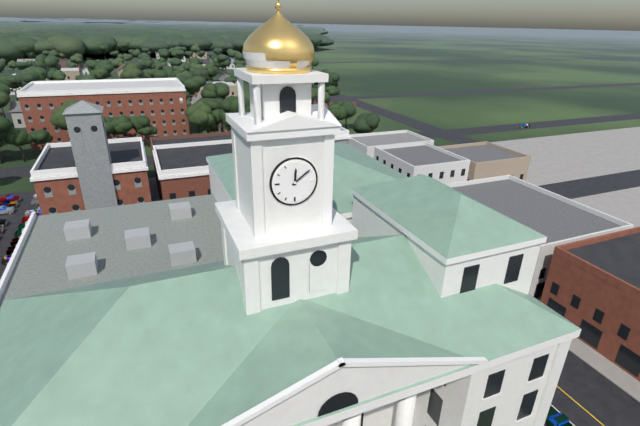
12:09
